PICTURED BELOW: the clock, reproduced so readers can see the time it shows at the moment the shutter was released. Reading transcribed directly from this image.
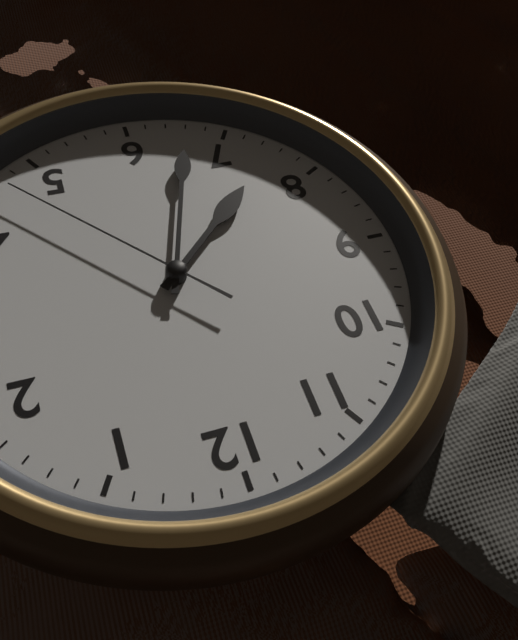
7:33:23
